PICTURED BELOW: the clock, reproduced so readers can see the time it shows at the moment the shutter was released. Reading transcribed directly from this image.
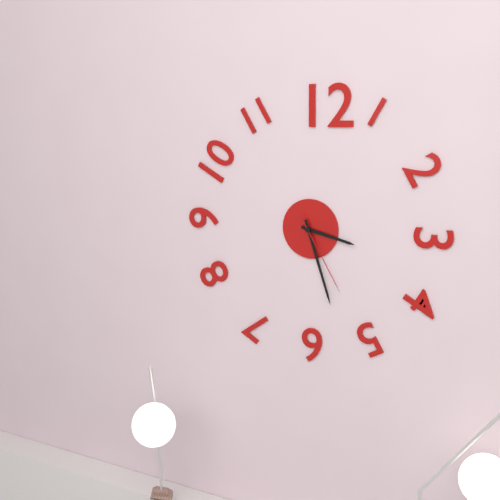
3:27:25
